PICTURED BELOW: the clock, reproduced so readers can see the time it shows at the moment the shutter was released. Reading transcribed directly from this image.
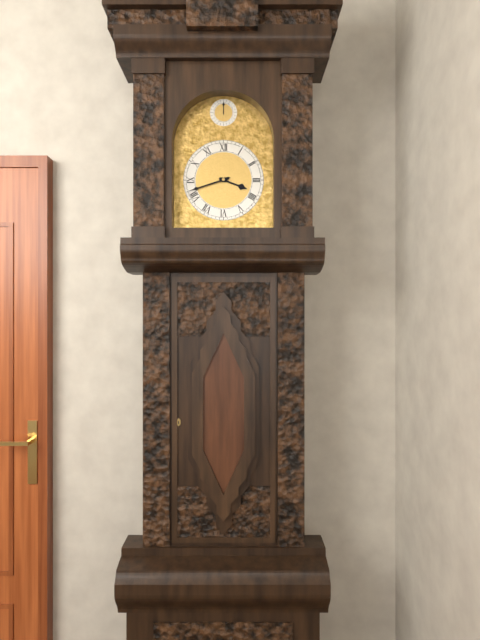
3:42
